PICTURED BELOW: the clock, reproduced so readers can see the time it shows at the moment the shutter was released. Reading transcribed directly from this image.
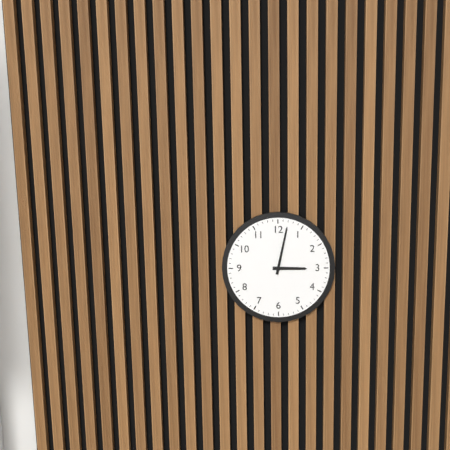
3:02
